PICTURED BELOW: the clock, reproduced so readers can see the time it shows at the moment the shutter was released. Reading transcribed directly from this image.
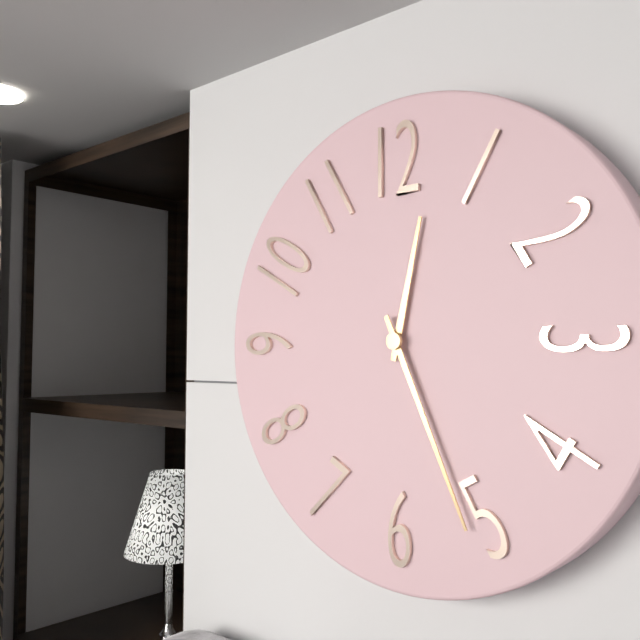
12:26
